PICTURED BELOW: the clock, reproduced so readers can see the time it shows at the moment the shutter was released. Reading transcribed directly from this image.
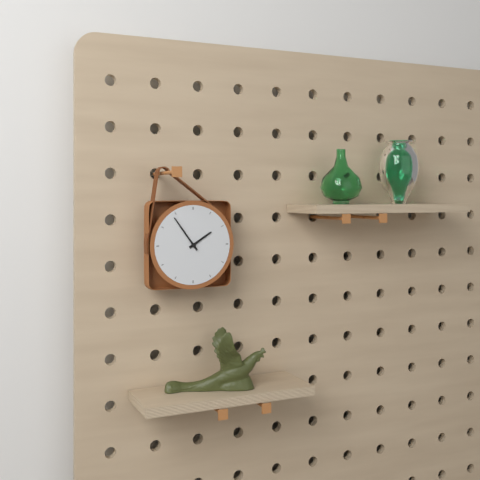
1:54
